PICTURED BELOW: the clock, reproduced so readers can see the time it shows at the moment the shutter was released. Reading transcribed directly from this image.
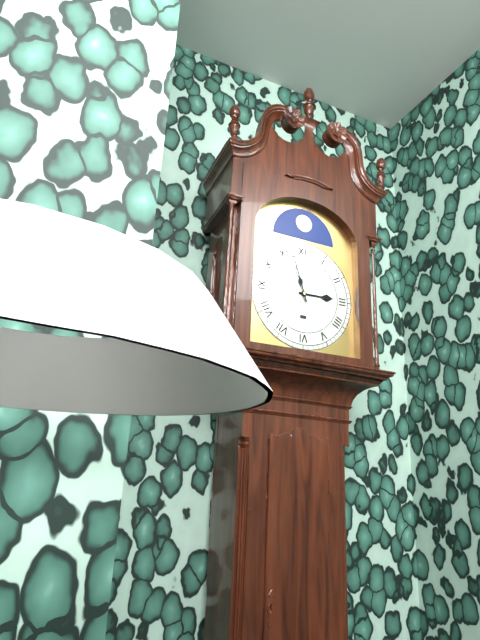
2:57
